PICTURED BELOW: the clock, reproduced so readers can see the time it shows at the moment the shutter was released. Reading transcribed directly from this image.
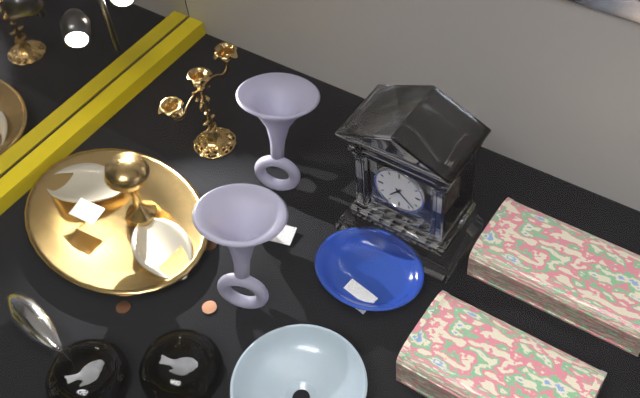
7:22
